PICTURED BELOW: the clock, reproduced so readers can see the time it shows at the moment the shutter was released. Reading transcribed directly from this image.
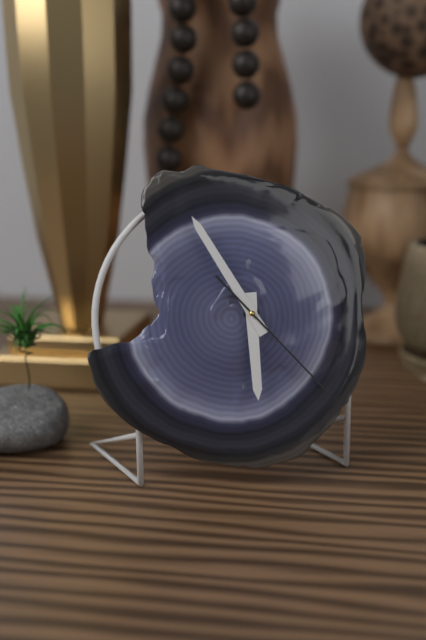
5:55:23
